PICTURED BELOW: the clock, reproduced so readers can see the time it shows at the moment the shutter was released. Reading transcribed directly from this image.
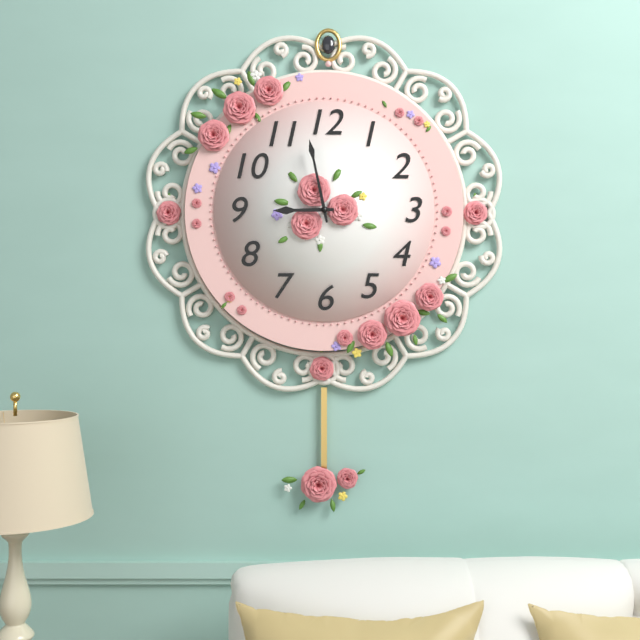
8:58
